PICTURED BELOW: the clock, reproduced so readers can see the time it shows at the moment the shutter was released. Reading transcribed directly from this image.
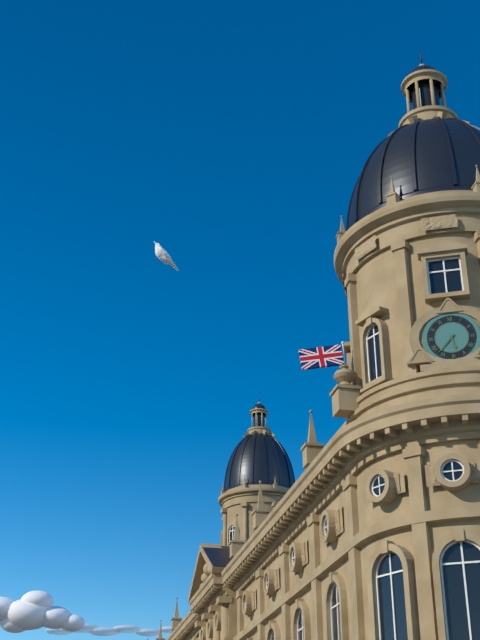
5:37
